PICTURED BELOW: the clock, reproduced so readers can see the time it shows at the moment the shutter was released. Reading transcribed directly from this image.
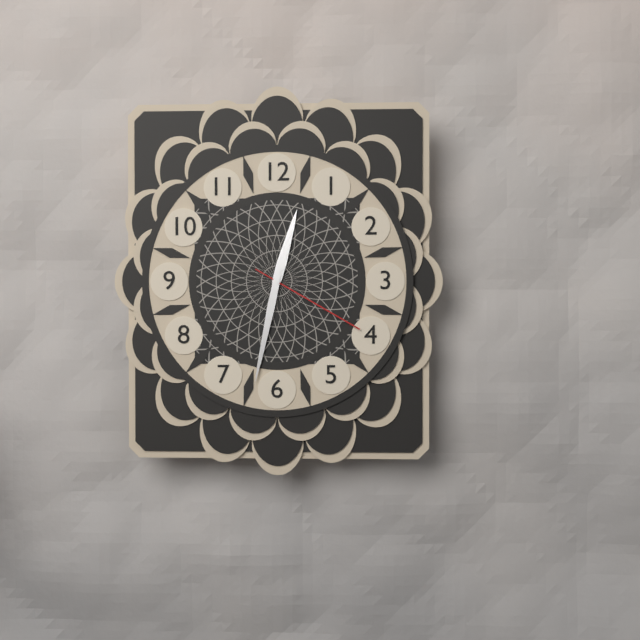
12:32:20
